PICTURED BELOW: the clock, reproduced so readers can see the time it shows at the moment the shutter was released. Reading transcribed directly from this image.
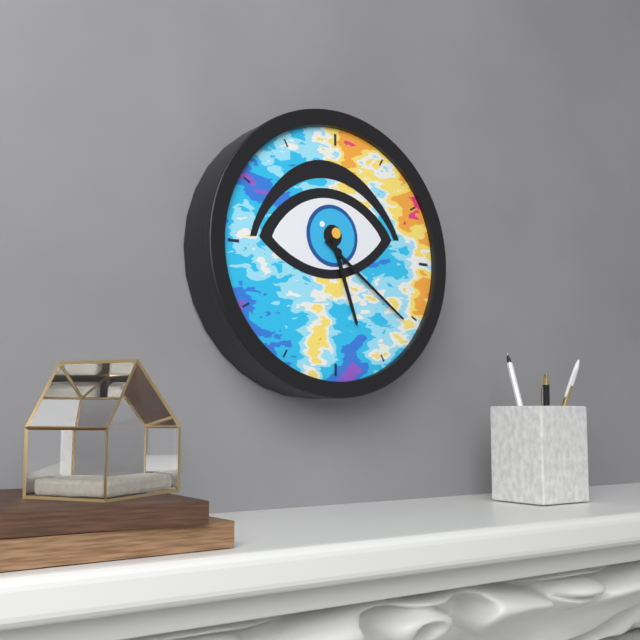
5:21
